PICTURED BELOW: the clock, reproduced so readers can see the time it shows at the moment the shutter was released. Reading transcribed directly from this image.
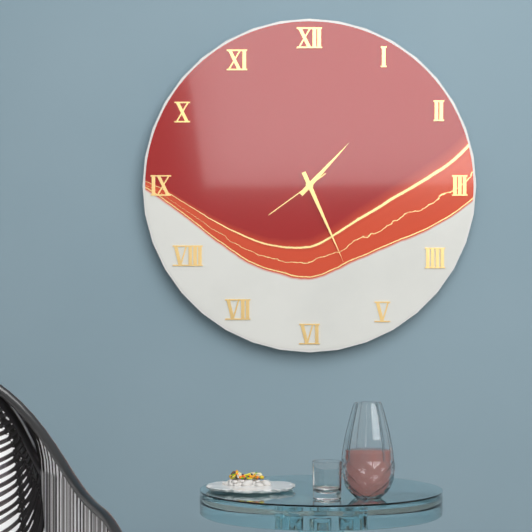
1:26:39
